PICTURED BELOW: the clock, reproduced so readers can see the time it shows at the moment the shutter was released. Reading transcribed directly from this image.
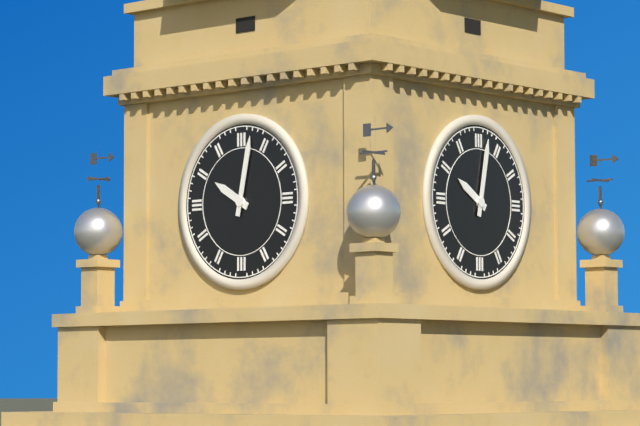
10:02
